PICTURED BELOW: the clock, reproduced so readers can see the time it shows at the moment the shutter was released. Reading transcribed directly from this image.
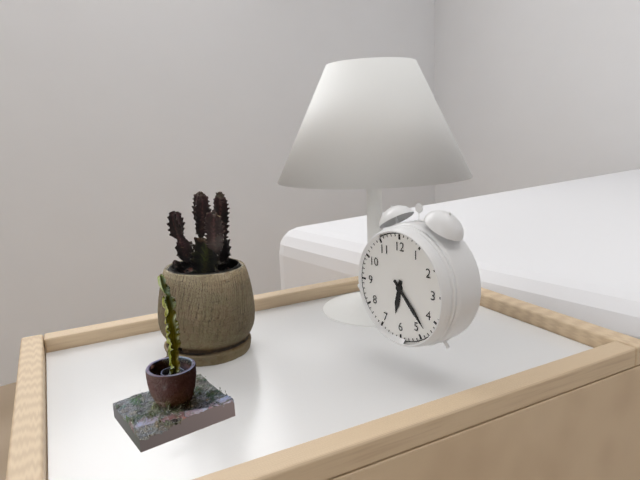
6:23
